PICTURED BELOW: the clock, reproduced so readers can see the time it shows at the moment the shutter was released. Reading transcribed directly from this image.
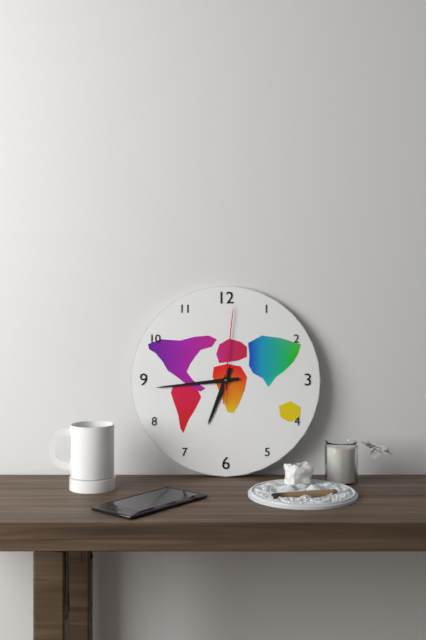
6:44:01
